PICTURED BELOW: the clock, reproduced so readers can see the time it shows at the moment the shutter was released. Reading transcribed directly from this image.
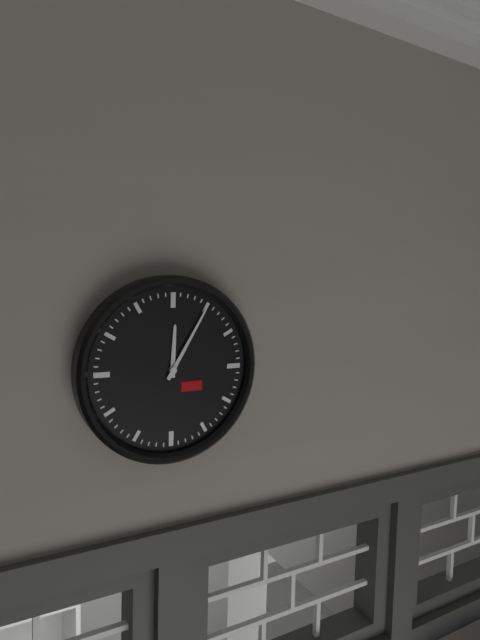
12:05
